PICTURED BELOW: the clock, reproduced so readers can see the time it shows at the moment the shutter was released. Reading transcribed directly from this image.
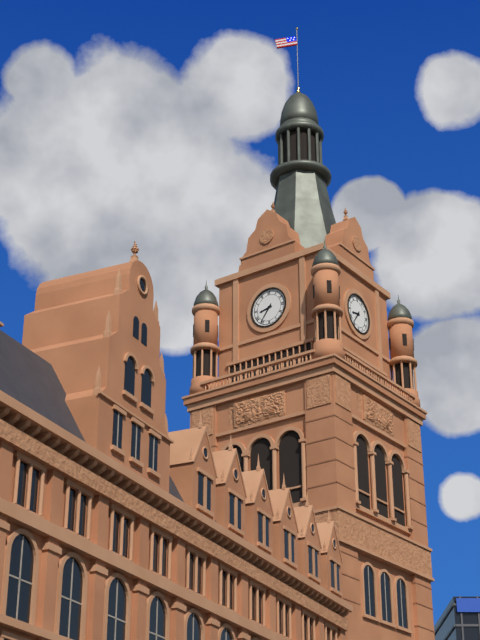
8:36
